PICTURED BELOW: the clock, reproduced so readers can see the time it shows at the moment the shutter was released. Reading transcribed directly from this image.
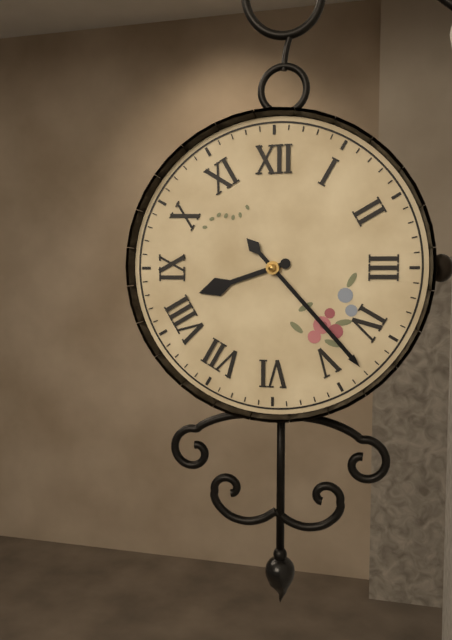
8:23
